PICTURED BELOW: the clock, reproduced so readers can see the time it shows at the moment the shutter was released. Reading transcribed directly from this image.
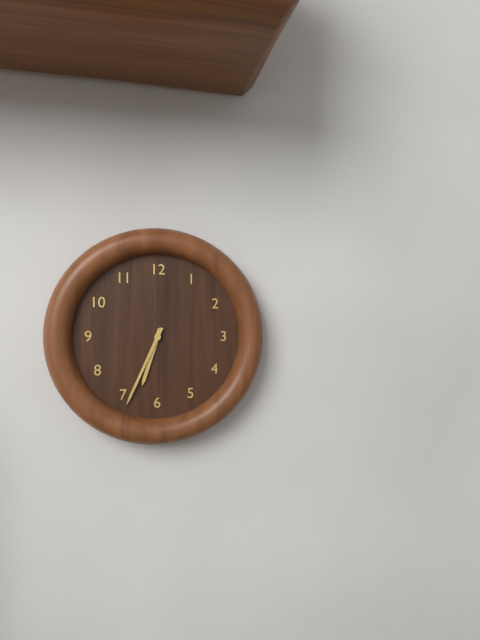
6:34
